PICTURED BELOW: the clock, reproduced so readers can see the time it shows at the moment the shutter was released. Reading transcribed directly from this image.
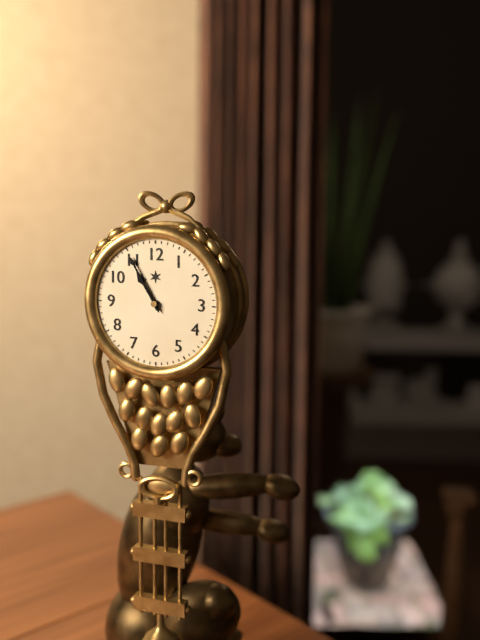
10:55
